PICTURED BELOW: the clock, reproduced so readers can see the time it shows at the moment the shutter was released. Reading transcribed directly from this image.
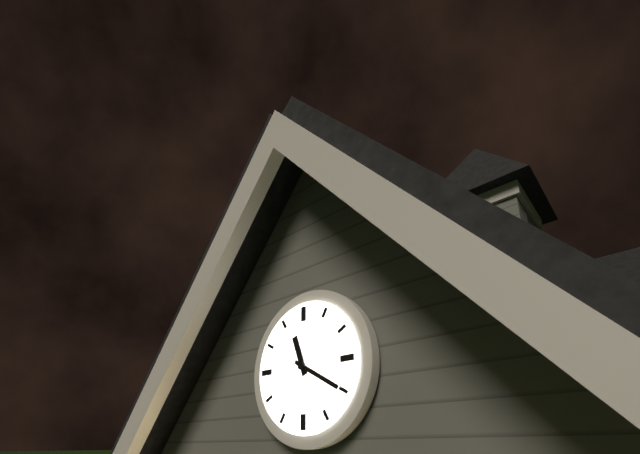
11:20
